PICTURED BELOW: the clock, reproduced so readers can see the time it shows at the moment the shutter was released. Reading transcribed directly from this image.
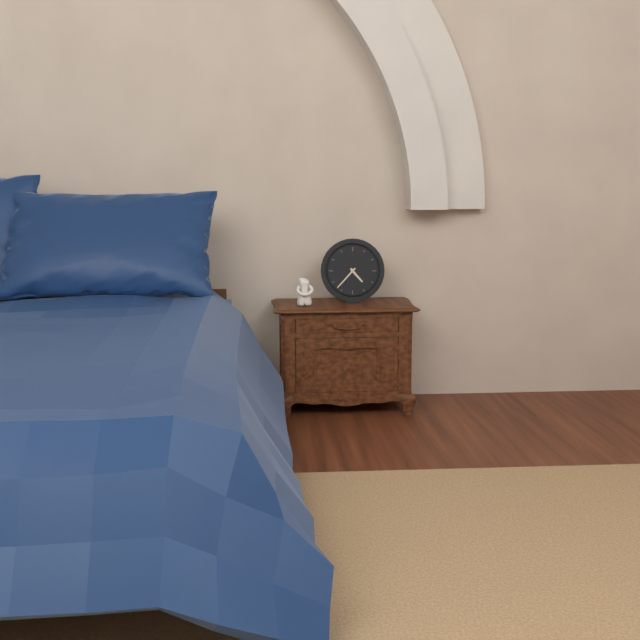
4:37
